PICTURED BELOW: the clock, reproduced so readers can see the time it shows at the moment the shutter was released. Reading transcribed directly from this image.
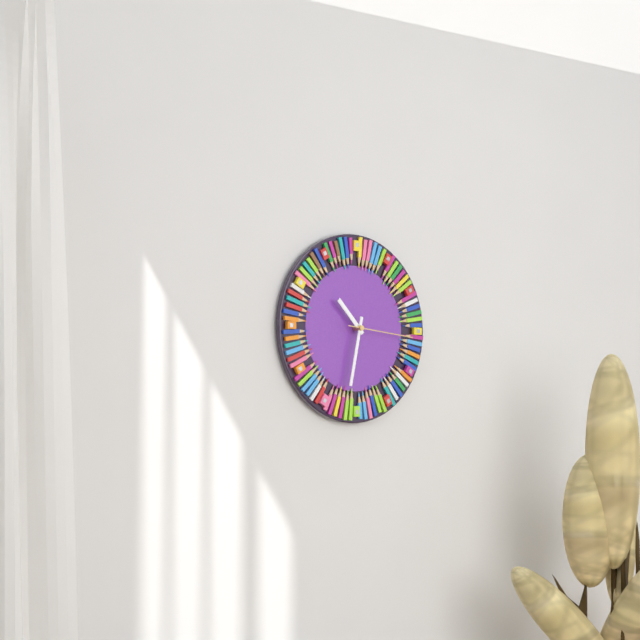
10:32:16
